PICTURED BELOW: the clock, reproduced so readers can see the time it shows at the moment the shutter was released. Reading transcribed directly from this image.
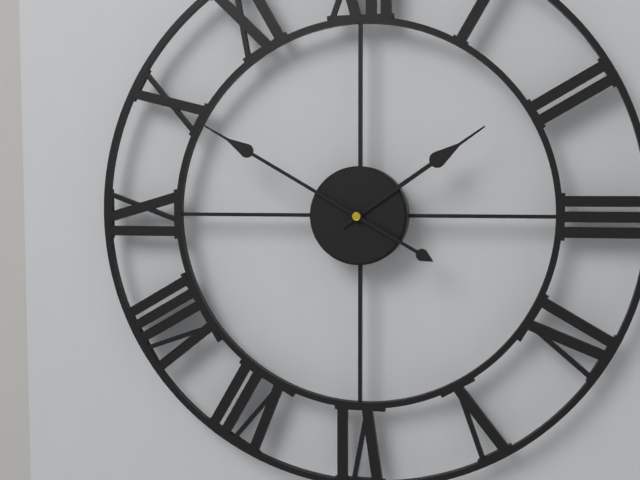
1:50
